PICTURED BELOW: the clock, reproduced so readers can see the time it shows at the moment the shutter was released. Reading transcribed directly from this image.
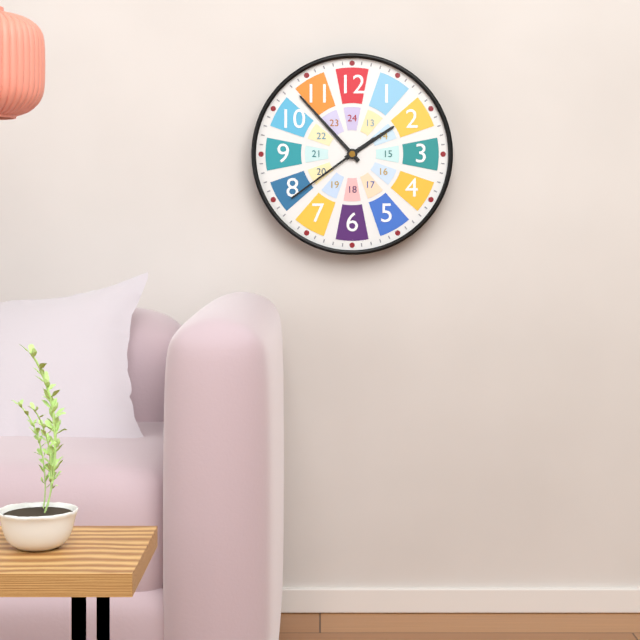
1:53:39
